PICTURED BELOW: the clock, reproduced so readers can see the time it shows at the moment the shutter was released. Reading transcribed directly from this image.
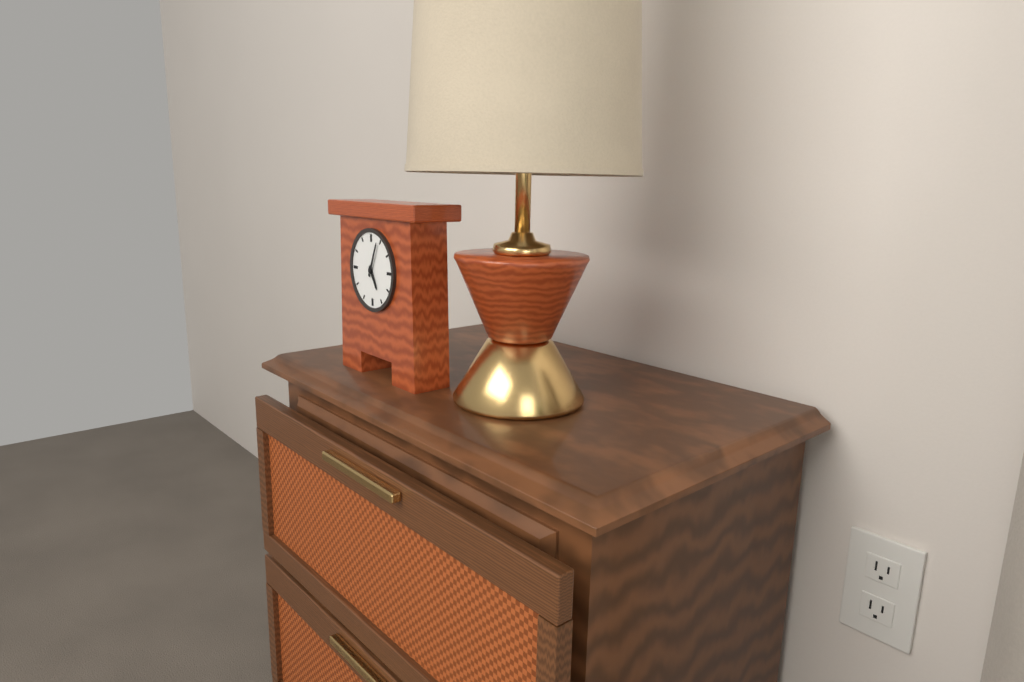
5:04
